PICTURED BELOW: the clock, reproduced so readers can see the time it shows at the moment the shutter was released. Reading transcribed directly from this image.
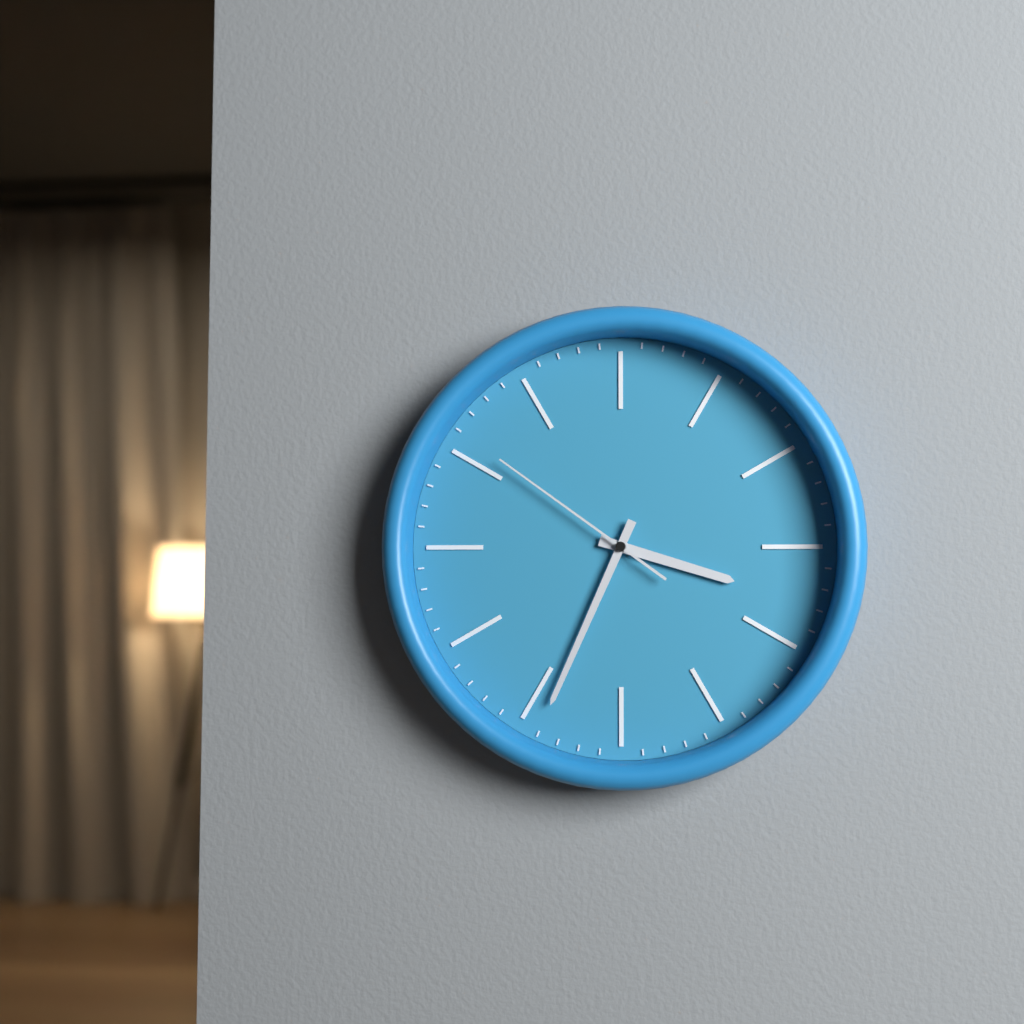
3:34:51
